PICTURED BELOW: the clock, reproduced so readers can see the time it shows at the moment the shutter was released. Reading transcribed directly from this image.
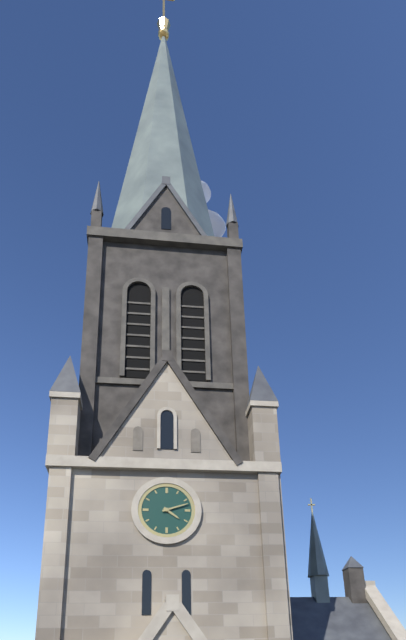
4:12
